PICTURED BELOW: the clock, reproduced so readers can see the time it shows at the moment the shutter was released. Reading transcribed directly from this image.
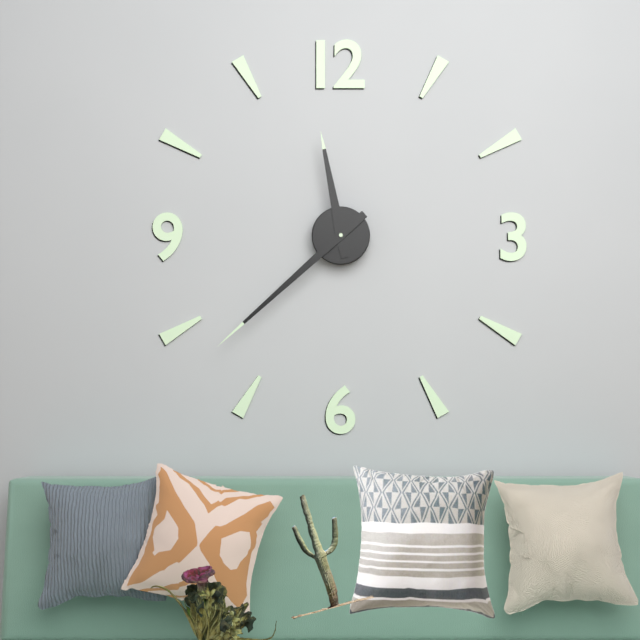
11:38
